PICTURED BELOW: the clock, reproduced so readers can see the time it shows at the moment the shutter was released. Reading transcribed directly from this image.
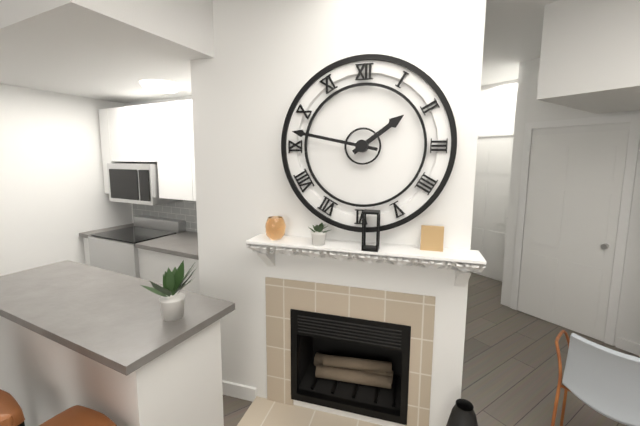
1:47
